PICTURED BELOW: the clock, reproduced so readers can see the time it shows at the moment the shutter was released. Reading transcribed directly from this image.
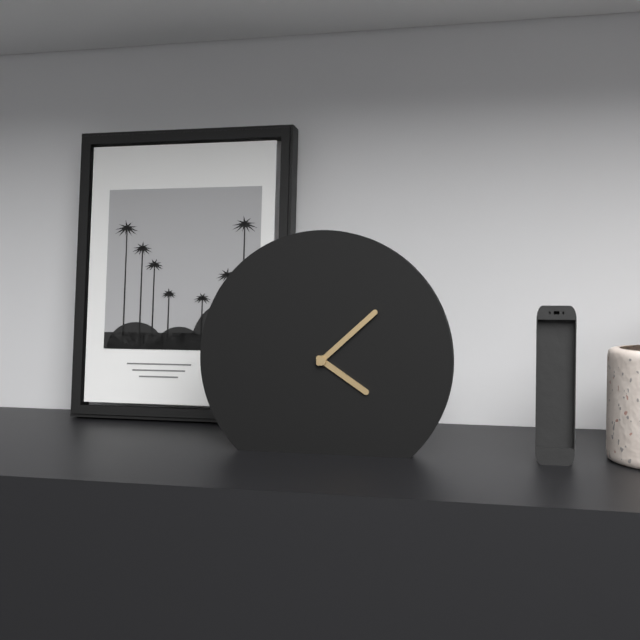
4:08
